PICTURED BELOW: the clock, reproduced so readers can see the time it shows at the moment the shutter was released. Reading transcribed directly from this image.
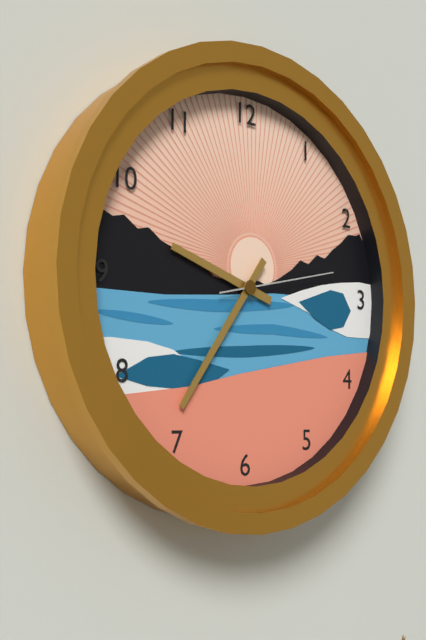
9:36:13
